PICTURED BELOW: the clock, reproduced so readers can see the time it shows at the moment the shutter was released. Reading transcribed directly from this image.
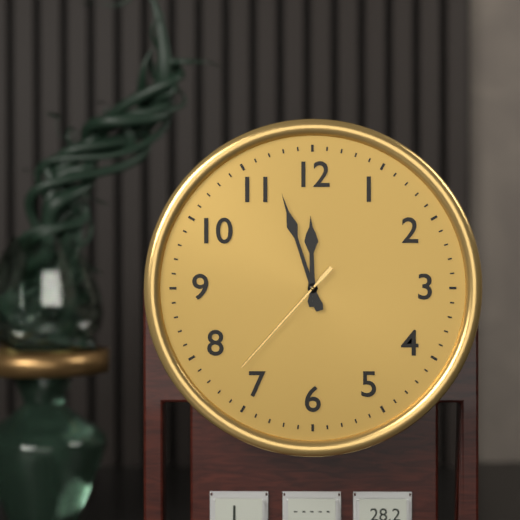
11:57:37
